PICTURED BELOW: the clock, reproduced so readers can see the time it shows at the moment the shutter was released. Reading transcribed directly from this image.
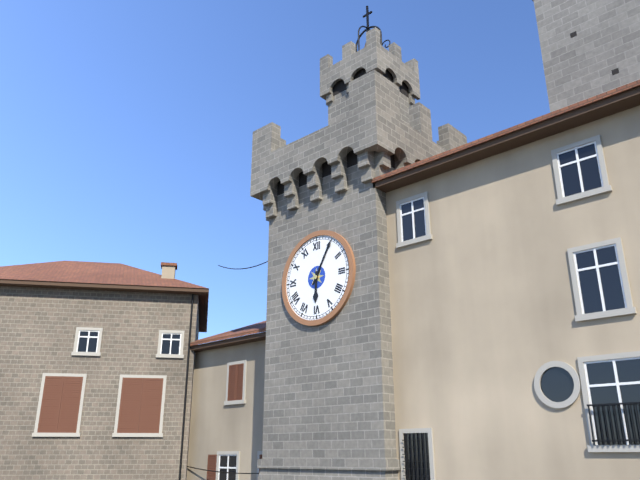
6:05
